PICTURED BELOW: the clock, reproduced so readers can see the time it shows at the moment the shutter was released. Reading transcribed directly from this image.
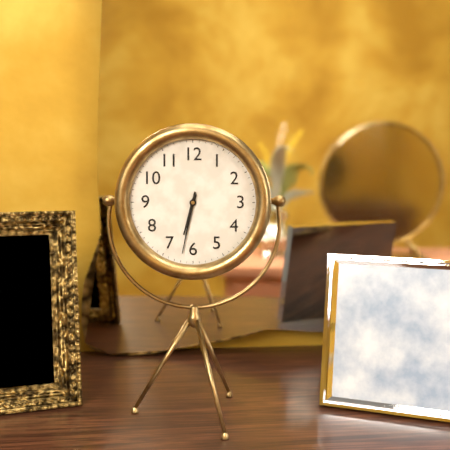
6:32
